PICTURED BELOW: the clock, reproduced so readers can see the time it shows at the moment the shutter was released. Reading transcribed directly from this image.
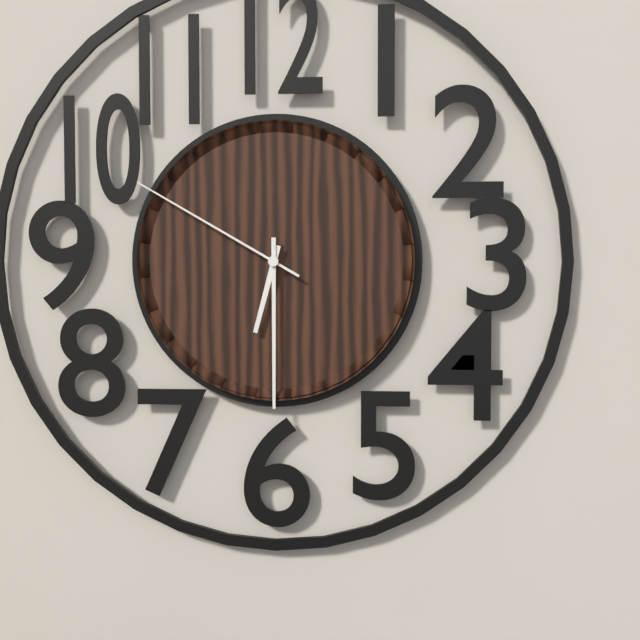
6:30:50
